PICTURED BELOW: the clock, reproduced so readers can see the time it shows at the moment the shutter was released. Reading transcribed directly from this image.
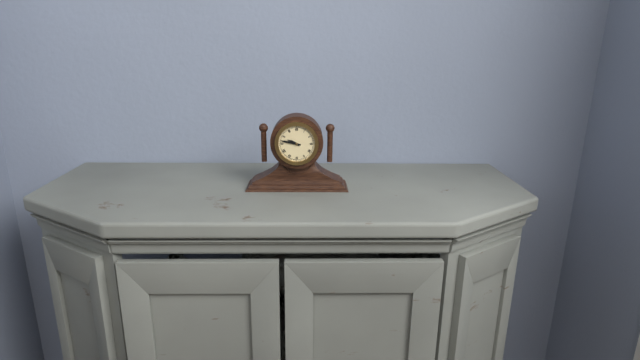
9:47
